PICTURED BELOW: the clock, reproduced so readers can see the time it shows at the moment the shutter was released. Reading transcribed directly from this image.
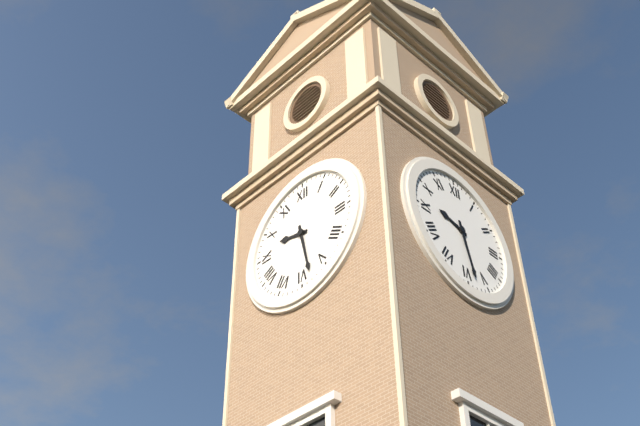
9:28
